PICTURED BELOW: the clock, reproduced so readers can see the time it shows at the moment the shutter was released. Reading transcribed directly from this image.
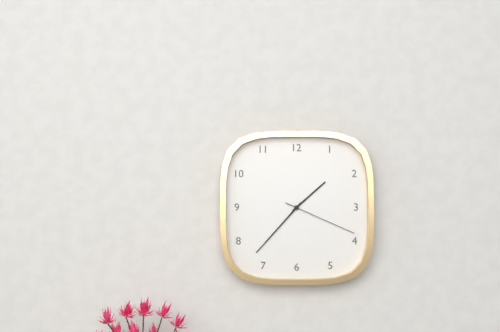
1:37:19
